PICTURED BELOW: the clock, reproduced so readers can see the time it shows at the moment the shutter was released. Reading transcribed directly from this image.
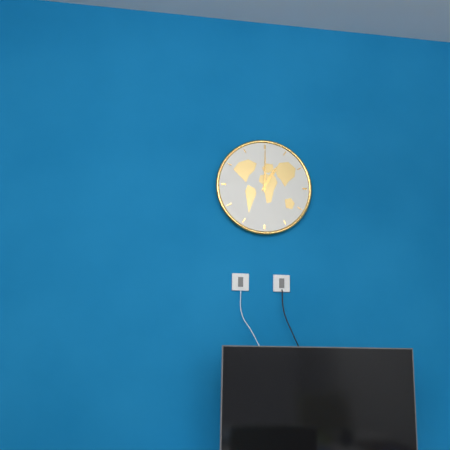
1:00
